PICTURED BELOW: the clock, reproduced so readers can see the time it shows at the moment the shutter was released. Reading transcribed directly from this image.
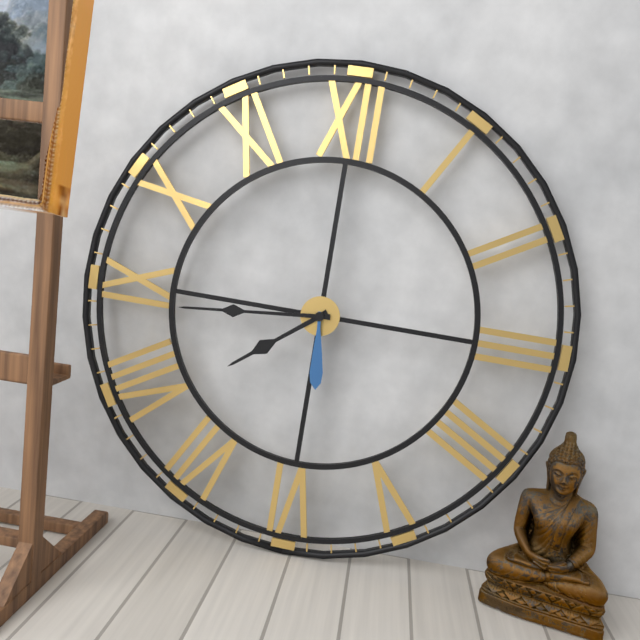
7:44:29
